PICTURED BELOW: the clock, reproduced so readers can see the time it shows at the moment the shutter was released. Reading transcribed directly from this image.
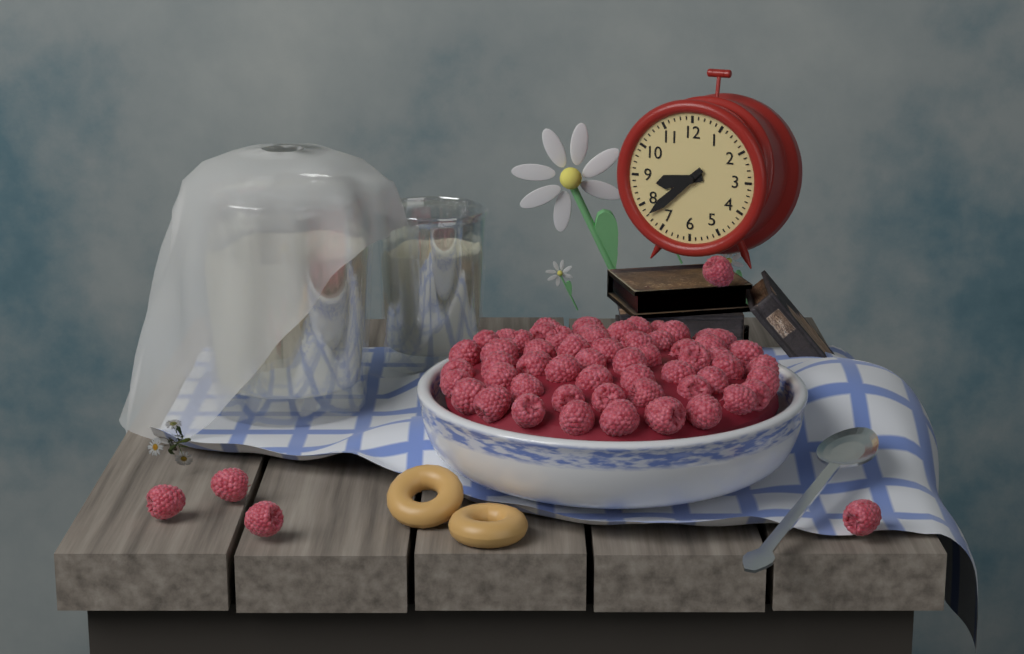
8:38
